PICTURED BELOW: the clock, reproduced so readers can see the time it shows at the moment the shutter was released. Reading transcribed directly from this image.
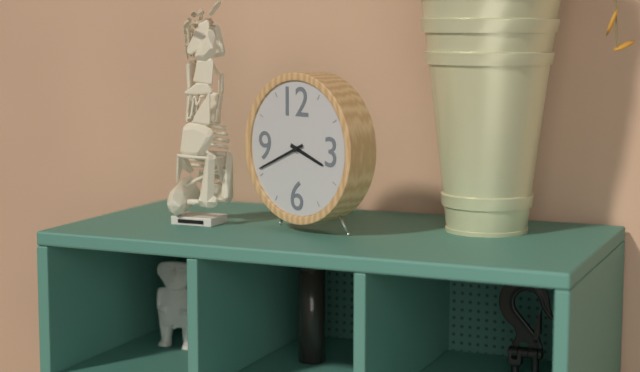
3:41
